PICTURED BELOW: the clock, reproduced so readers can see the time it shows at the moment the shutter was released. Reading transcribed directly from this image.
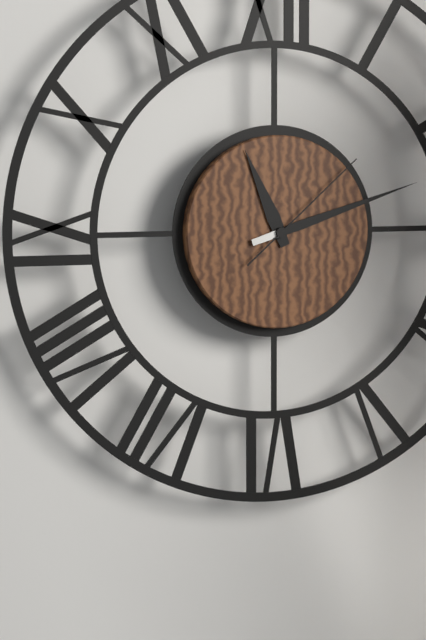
11:12:08
